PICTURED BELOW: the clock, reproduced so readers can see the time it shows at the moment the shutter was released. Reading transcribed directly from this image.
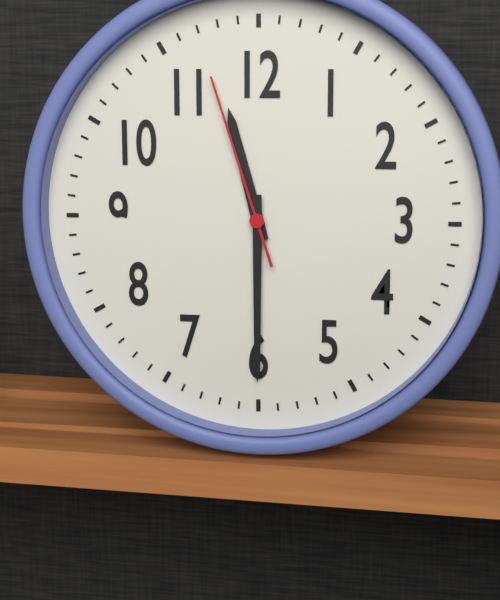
11:30:57
